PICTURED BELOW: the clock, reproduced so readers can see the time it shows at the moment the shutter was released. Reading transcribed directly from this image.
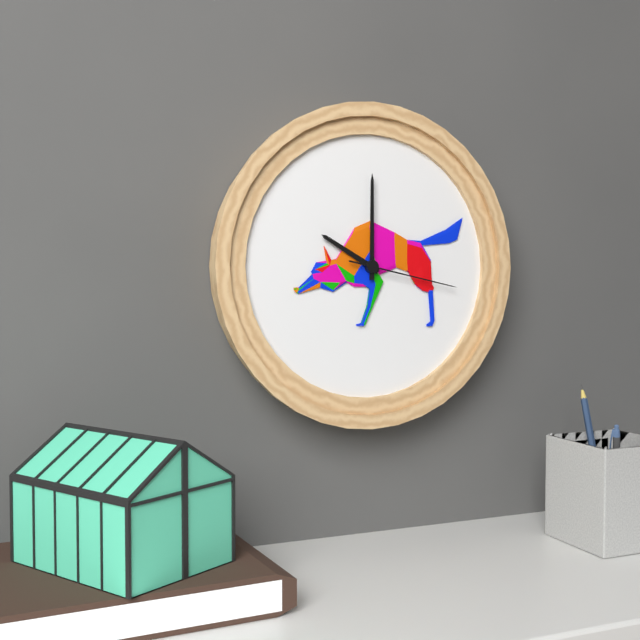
10:00:17
